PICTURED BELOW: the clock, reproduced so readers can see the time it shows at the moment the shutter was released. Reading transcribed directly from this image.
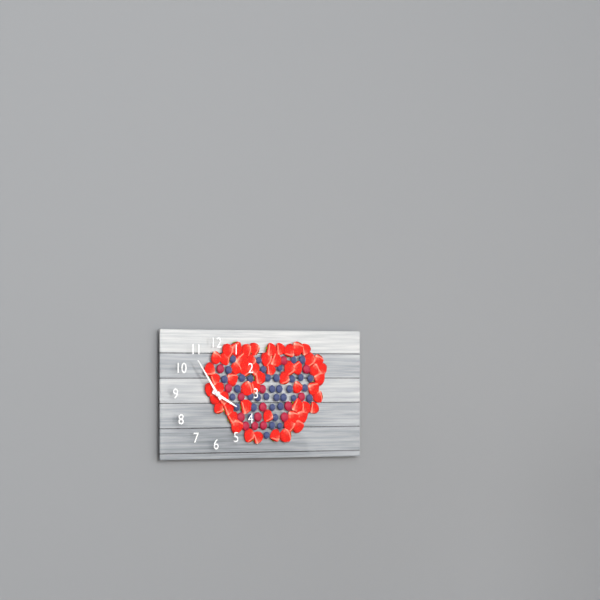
3:54
